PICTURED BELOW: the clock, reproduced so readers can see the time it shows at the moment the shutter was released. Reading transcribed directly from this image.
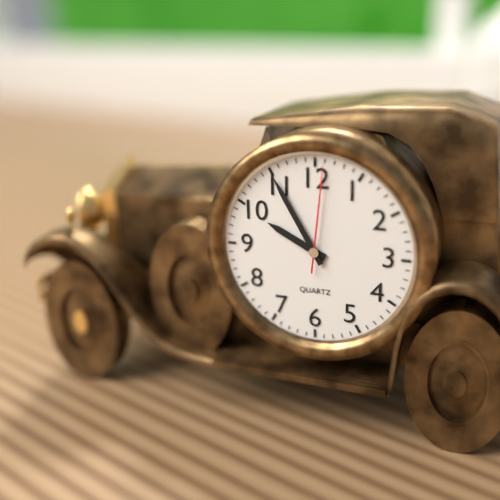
9:55:01
